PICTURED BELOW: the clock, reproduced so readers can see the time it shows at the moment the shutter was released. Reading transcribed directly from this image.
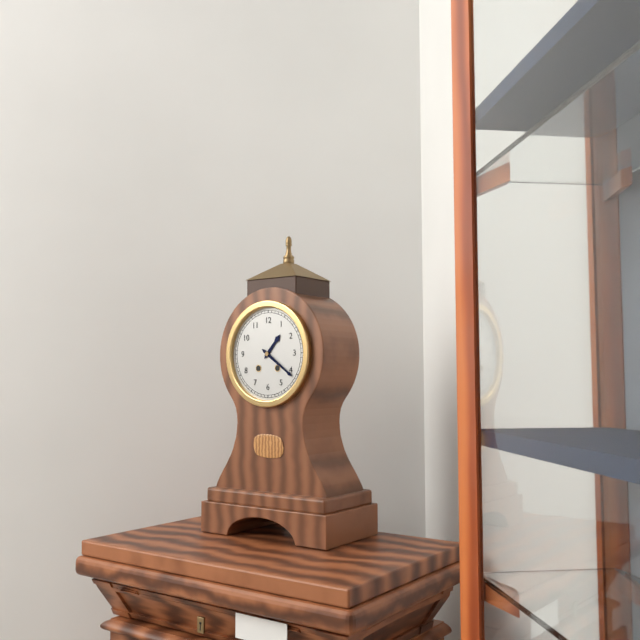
1:21
